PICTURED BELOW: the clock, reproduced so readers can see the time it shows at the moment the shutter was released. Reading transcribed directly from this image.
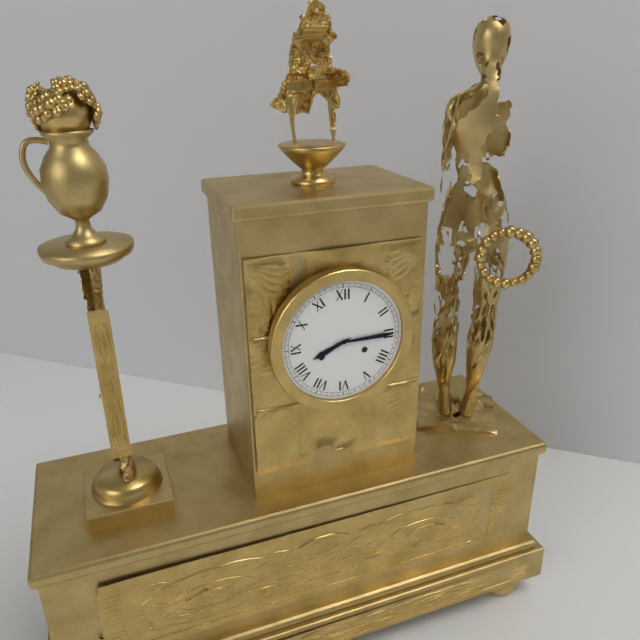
8:15
